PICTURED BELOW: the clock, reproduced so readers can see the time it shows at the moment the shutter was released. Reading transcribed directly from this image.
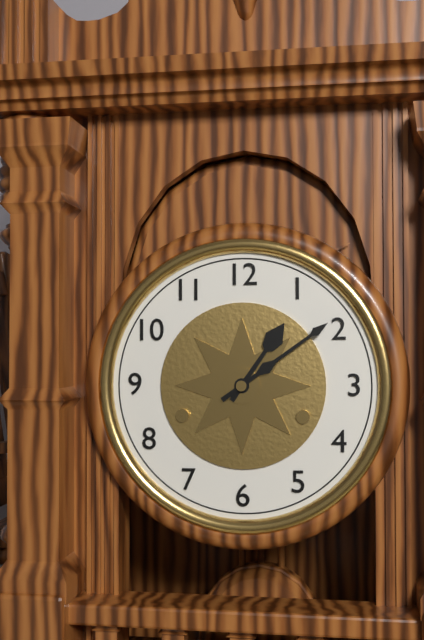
1:09
